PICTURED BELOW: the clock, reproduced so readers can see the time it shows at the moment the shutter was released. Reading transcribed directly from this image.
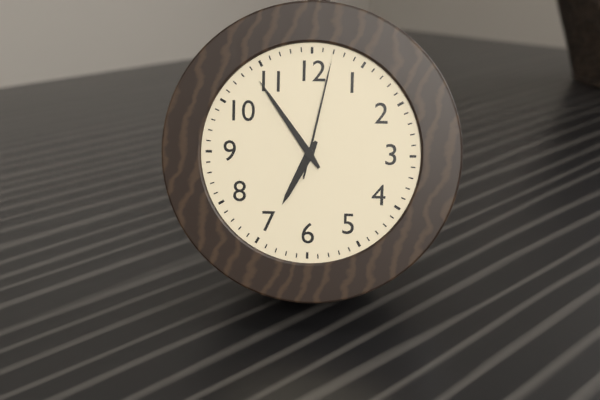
6:54:02
